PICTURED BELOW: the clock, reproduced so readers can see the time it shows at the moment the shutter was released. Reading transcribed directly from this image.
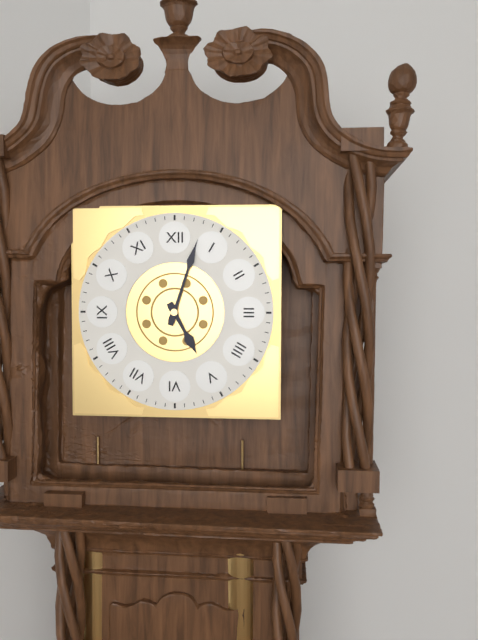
5:03
